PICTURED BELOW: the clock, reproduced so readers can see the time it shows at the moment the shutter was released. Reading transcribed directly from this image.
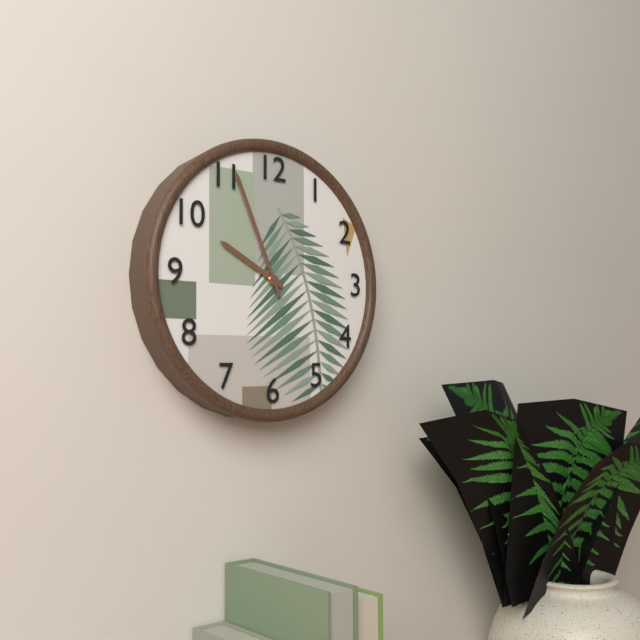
9:56
